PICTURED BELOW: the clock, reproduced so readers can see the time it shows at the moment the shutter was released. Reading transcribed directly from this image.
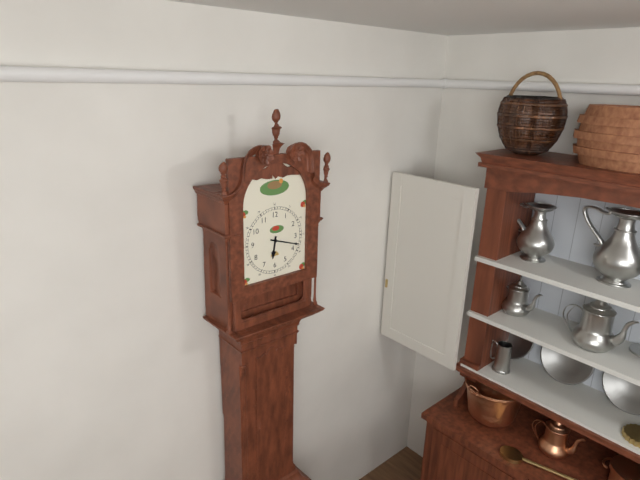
6:18
